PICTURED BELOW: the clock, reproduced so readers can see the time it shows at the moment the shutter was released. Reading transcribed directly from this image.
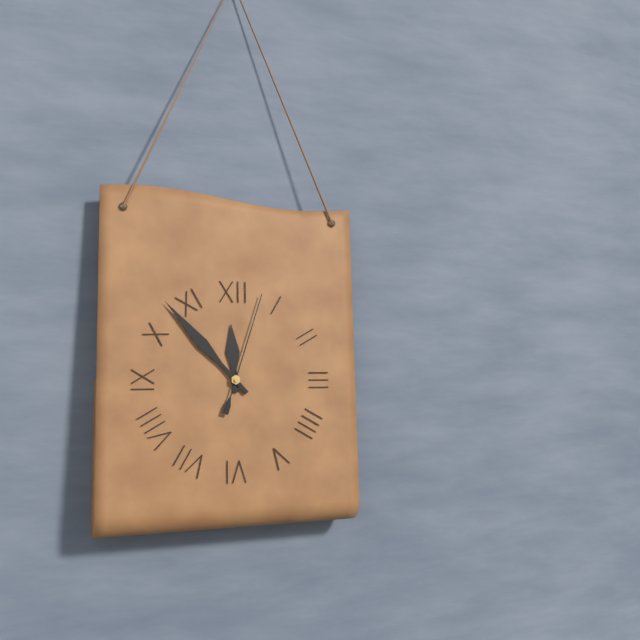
11:53:03
